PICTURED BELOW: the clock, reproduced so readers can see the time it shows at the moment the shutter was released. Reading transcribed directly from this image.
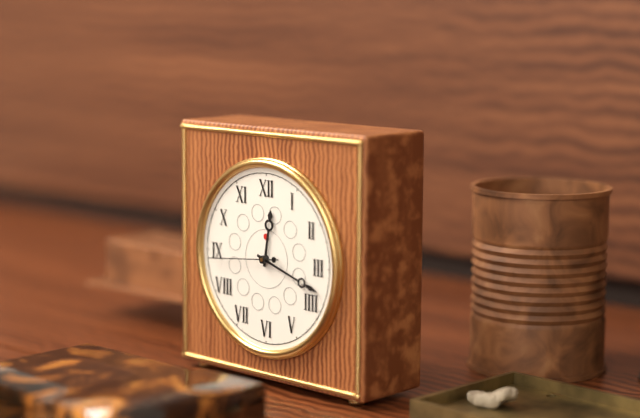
12:18:44
